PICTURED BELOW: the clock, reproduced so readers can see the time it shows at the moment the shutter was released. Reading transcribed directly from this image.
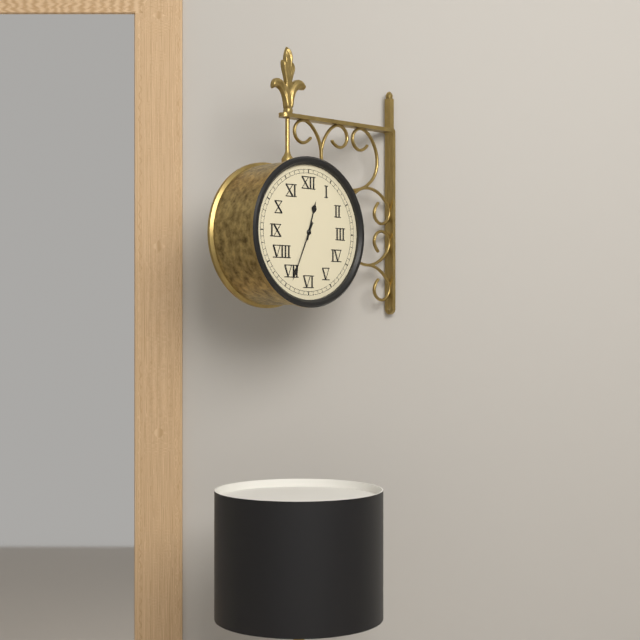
12:34
